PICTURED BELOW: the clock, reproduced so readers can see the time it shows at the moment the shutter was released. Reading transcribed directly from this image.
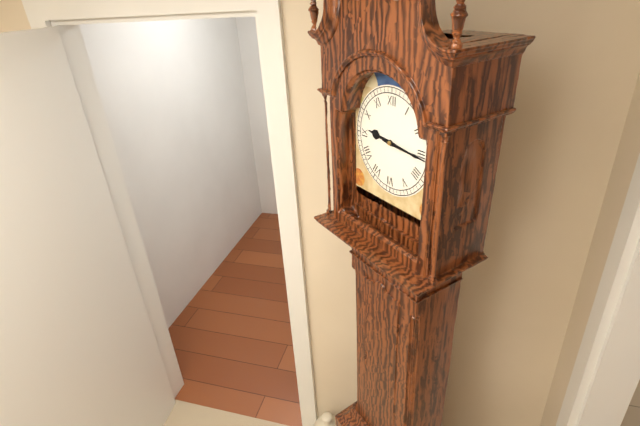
9:16
